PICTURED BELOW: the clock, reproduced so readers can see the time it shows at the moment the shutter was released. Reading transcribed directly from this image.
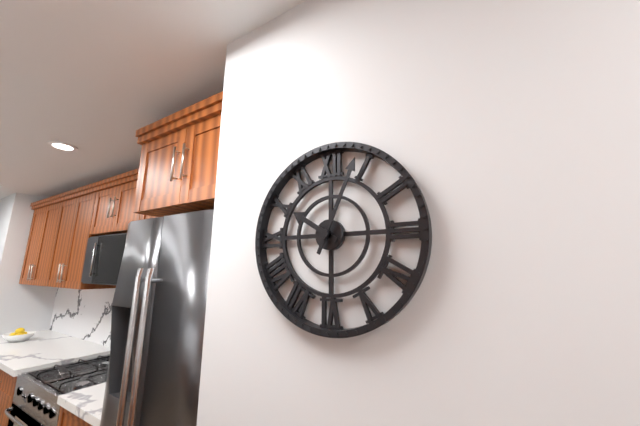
10:04
